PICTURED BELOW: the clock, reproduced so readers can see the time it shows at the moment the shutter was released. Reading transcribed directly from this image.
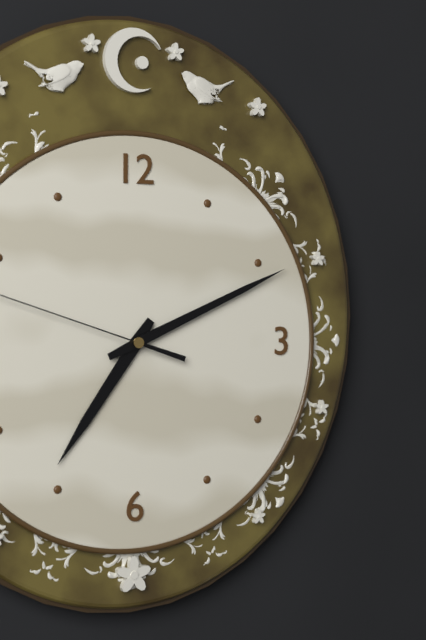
7:11
